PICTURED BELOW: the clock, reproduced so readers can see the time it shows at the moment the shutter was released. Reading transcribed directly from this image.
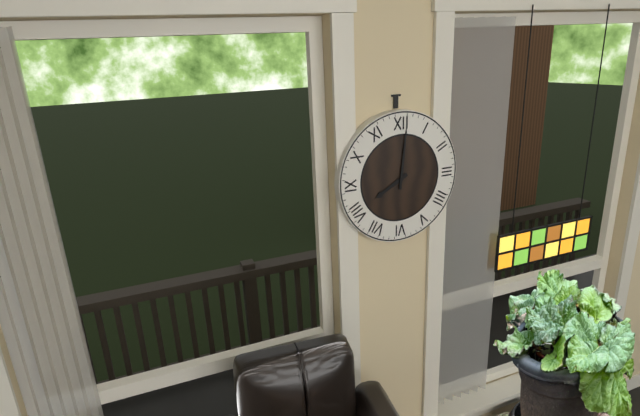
8:01
